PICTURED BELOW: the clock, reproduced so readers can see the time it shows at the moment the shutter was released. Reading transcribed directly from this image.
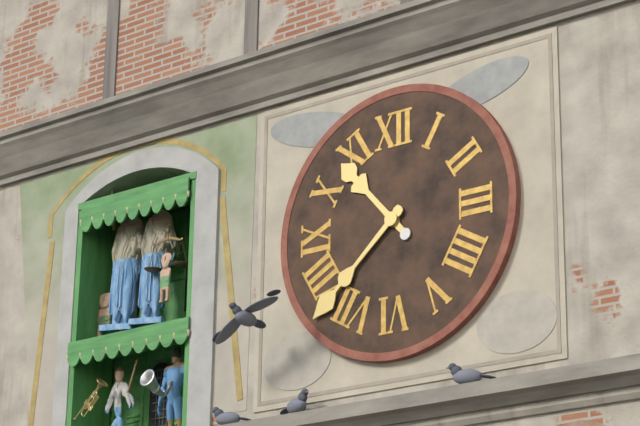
10:38
